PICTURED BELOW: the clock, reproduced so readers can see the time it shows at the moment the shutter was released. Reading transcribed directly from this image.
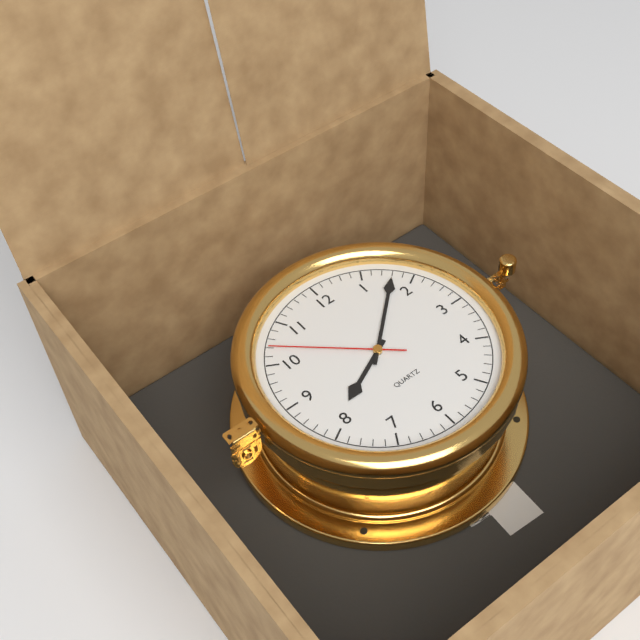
8:08:52
